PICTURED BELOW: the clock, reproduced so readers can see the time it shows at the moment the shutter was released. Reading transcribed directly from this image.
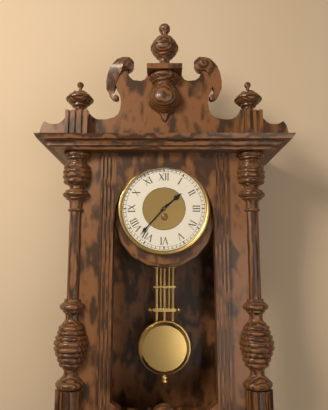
1:37
